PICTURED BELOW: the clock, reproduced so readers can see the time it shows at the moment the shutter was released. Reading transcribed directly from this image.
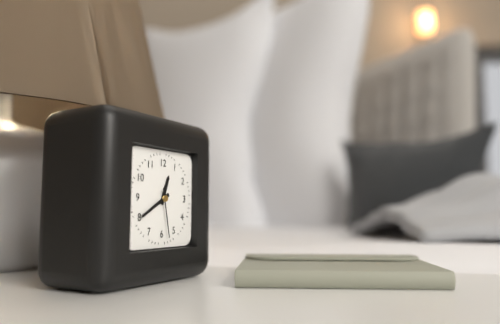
12:40
